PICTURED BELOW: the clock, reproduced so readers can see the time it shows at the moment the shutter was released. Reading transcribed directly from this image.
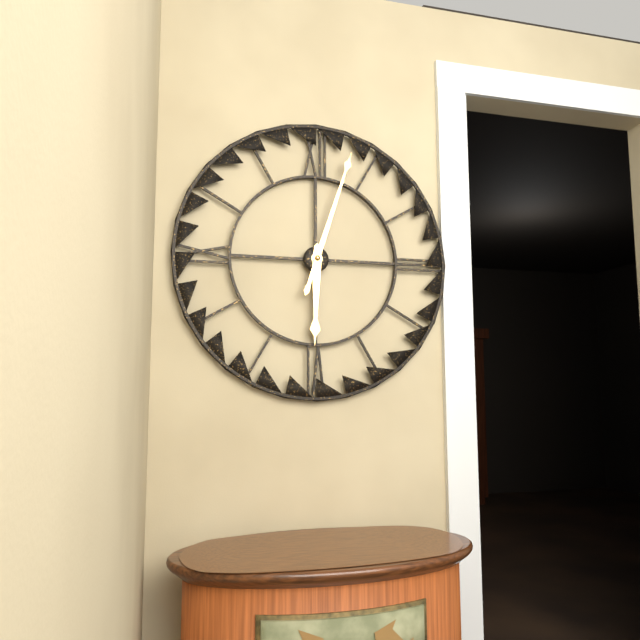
6:03
